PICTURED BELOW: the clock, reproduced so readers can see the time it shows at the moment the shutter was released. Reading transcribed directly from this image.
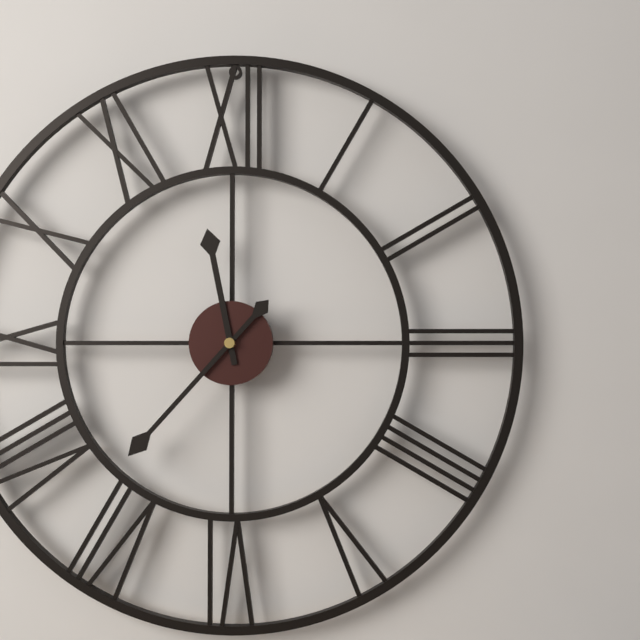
11:37
